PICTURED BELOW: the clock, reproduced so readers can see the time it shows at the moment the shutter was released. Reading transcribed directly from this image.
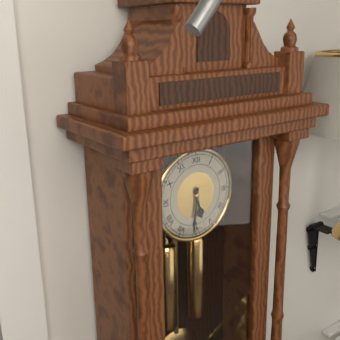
5:31
